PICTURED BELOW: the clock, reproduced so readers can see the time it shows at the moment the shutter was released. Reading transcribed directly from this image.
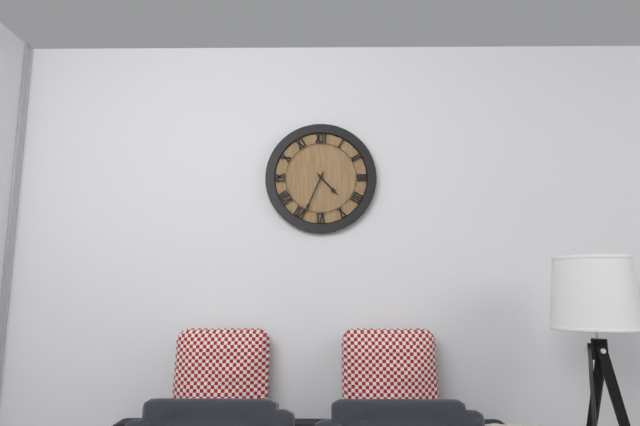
4:34
